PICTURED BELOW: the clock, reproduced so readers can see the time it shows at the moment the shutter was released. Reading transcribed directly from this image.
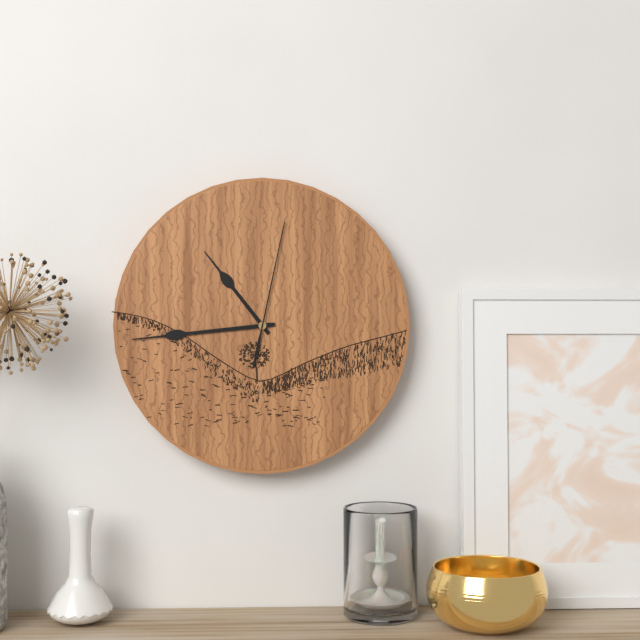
10:44:02
